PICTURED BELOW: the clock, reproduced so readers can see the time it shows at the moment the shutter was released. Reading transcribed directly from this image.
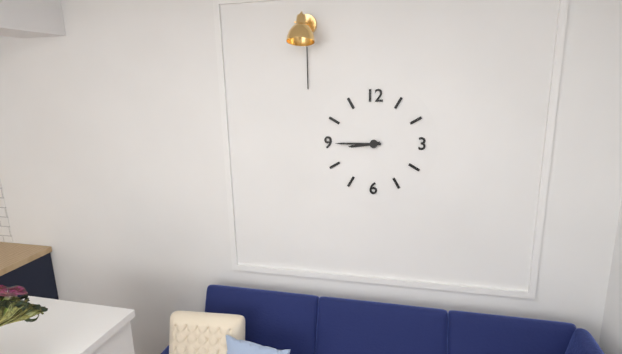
8:45
